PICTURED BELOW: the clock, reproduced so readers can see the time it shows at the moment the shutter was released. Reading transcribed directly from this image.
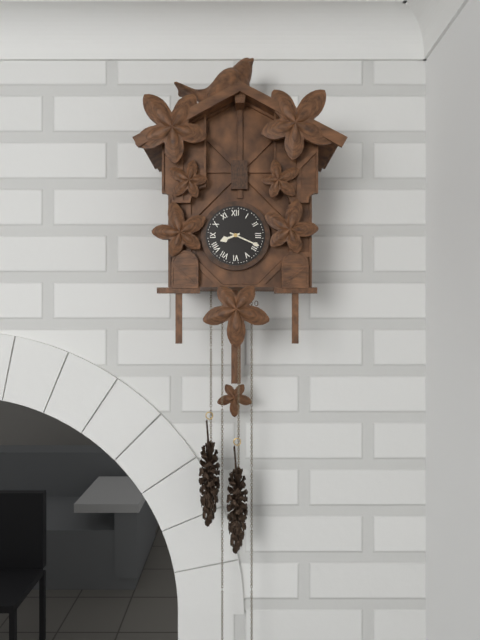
8:19
